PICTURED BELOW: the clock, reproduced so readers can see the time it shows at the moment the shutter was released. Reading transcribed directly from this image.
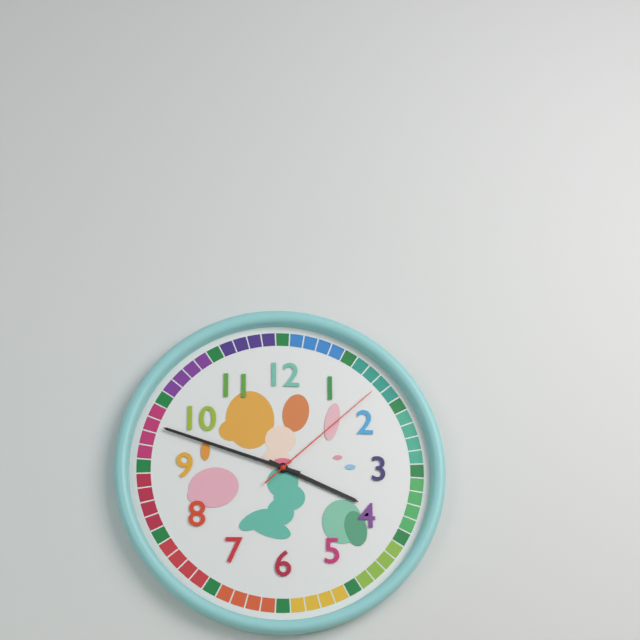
3:48:08
